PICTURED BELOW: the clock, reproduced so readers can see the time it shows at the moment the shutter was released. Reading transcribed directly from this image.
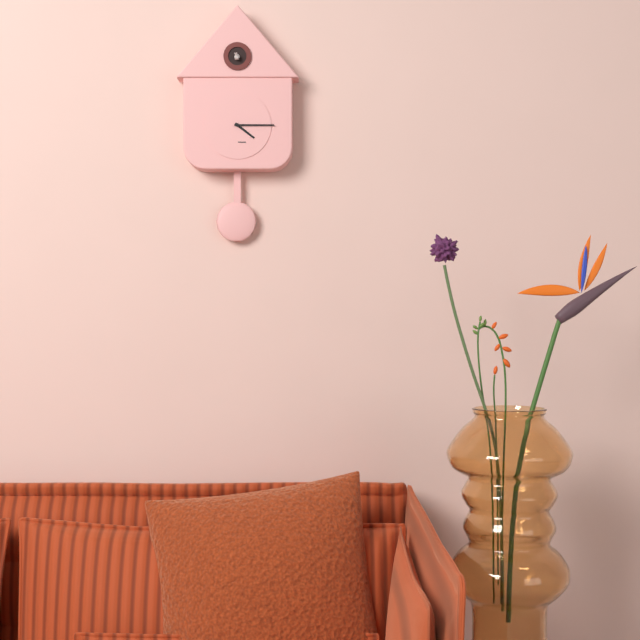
4:15
